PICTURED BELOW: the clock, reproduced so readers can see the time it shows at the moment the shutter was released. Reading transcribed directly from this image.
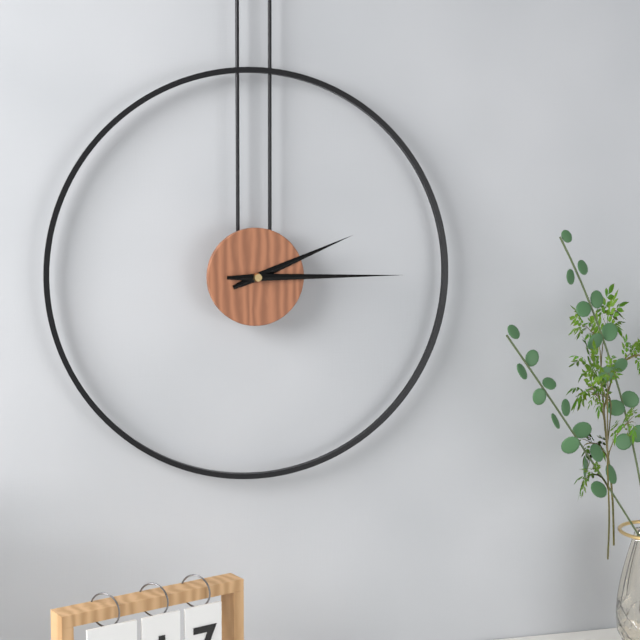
2:15
